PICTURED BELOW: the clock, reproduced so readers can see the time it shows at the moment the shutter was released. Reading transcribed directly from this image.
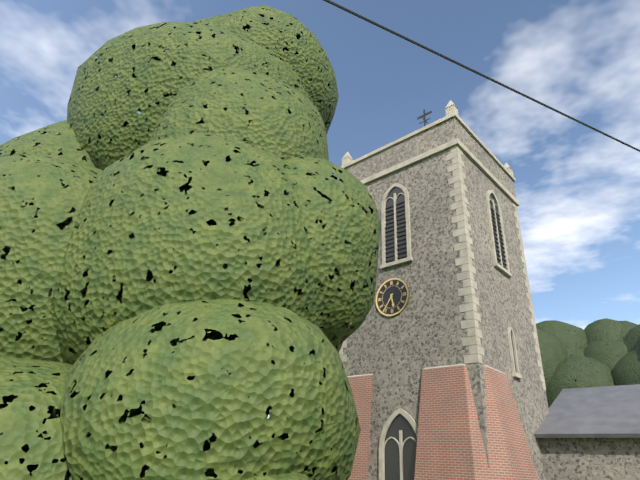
5:36
